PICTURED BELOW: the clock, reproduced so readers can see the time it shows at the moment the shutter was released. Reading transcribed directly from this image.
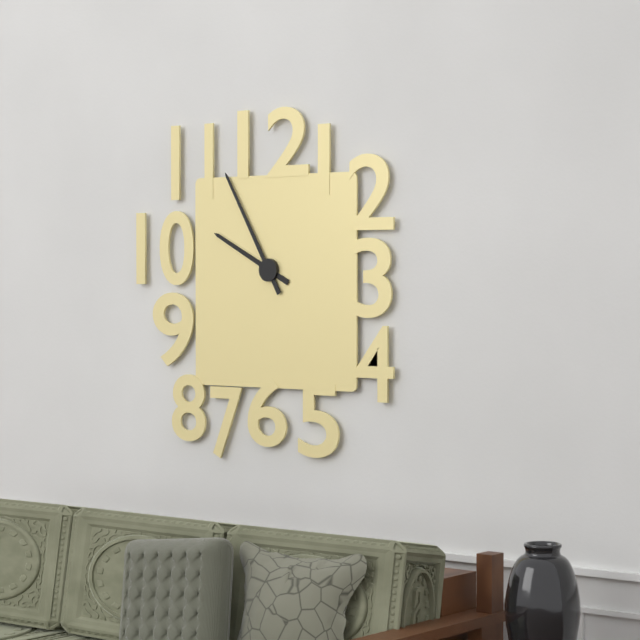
9:55
